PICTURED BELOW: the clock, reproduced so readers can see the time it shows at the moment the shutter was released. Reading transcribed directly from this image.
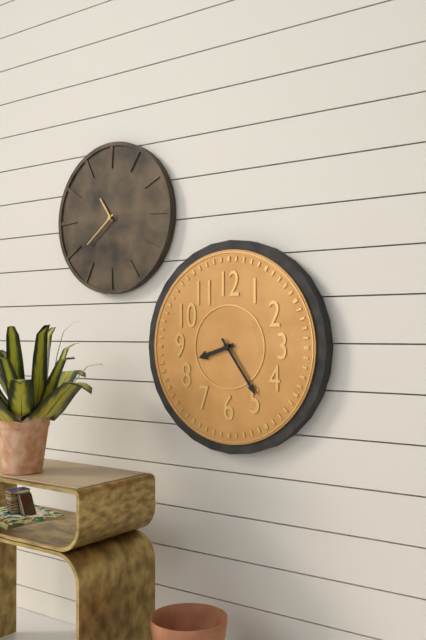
8:24
